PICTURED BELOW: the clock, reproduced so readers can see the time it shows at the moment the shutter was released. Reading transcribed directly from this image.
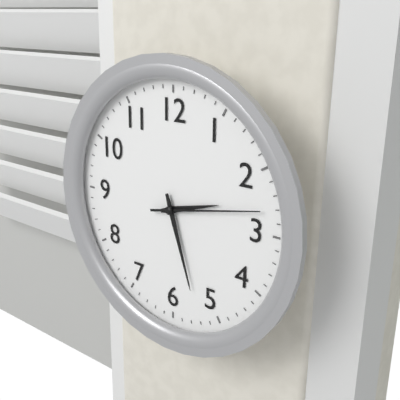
2:27:13
